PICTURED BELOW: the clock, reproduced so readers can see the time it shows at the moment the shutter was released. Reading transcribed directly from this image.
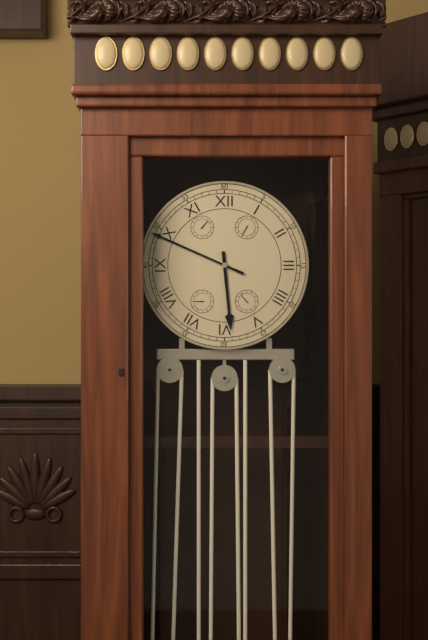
5:49
